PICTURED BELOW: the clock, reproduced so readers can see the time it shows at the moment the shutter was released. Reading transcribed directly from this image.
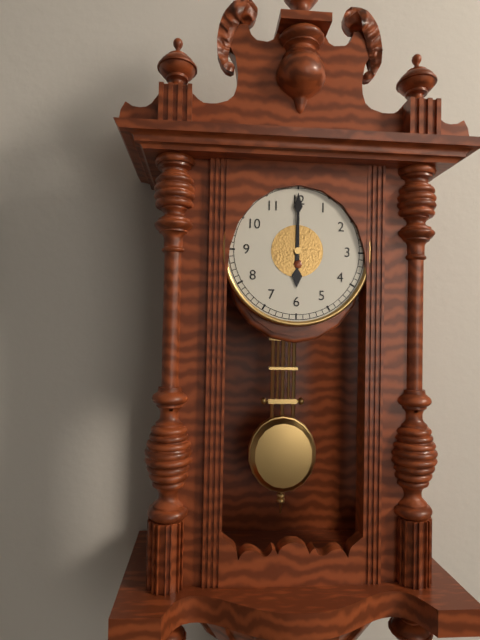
6:00
